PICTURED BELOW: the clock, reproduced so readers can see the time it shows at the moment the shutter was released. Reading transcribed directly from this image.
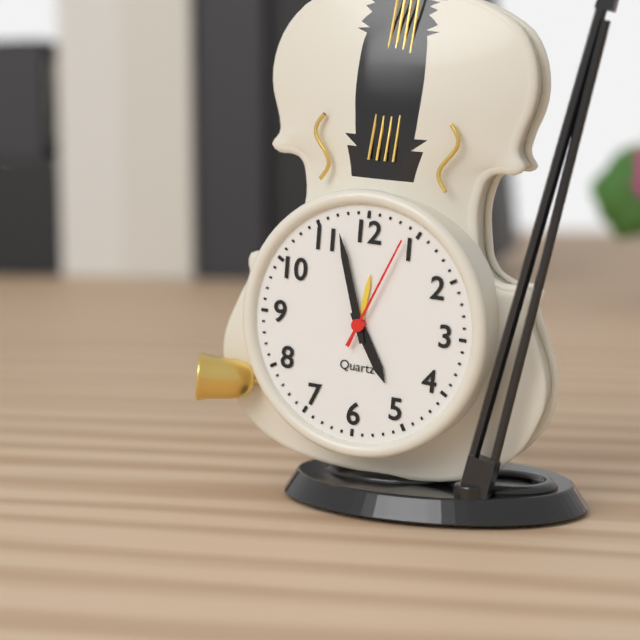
4:57:04
